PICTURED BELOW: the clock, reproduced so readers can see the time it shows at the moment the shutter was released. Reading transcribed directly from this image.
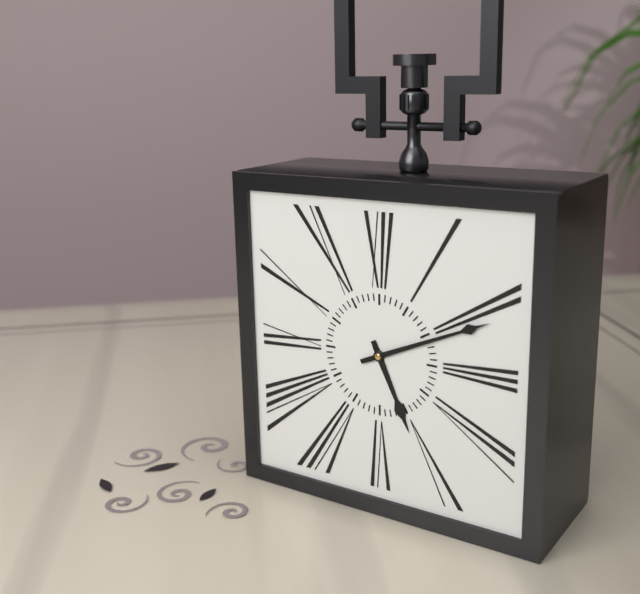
5:11
